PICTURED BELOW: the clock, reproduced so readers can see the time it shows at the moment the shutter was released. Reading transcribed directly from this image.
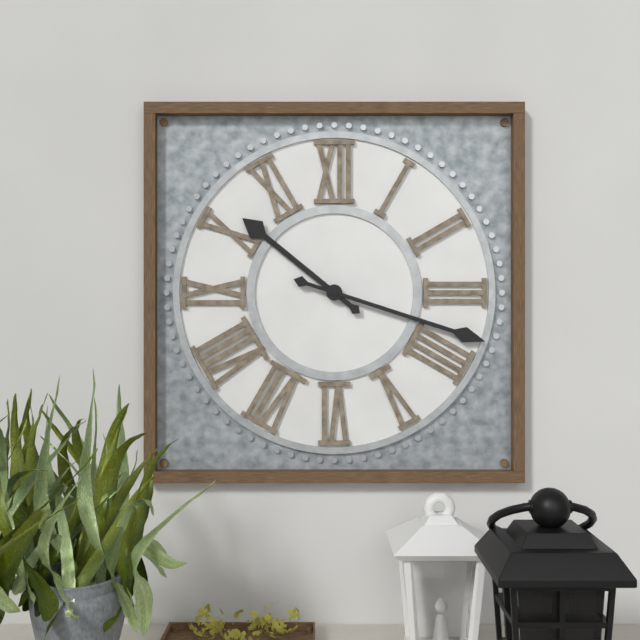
10:18
